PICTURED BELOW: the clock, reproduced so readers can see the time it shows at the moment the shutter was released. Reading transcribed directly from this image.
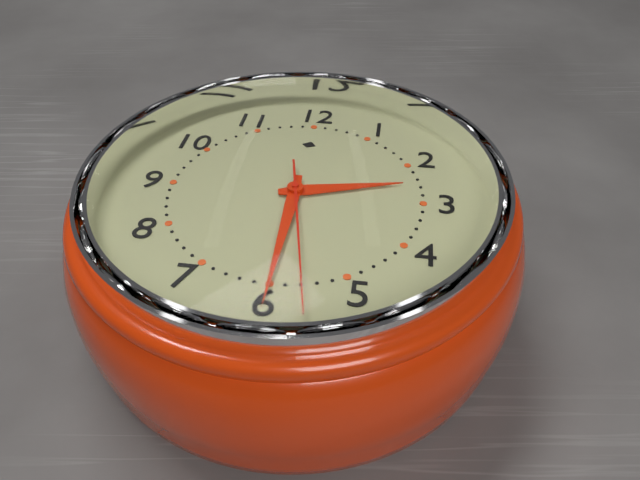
2:30
